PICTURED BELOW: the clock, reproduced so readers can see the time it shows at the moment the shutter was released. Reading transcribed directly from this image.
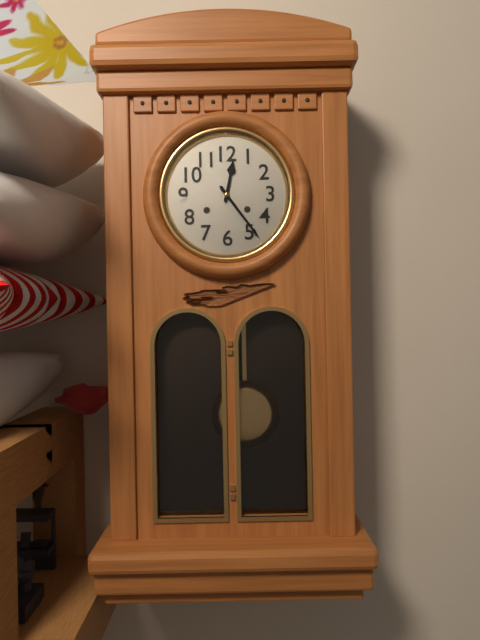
12:24
